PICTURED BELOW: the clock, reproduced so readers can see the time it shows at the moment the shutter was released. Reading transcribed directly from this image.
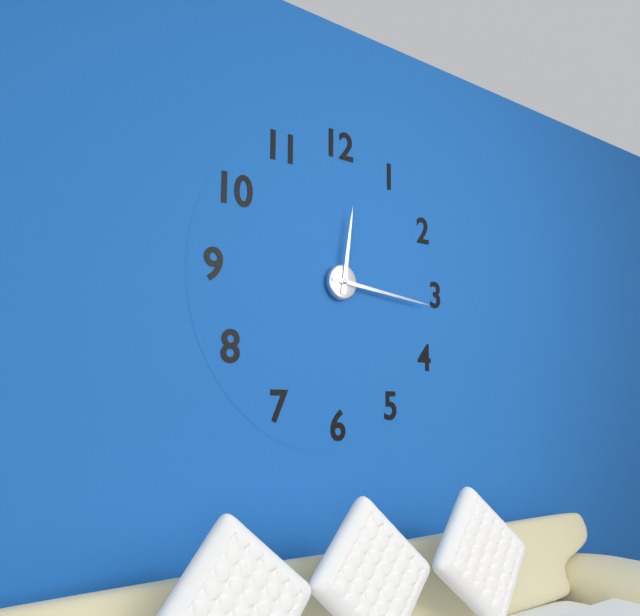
12:16
